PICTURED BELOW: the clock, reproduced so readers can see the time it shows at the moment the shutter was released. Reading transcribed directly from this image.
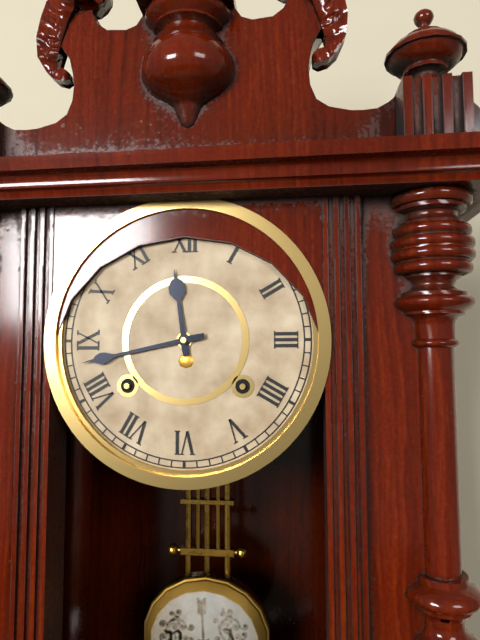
11:43
